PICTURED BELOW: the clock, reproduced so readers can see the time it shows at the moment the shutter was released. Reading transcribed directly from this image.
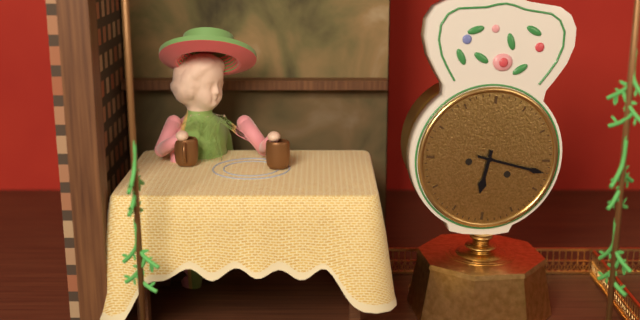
6:17
